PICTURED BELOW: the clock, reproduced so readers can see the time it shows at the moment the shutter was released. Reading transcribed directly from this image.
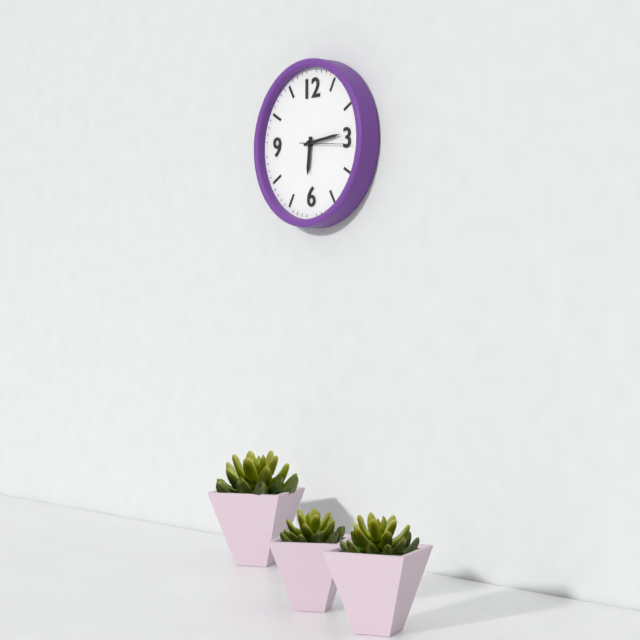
6:14
